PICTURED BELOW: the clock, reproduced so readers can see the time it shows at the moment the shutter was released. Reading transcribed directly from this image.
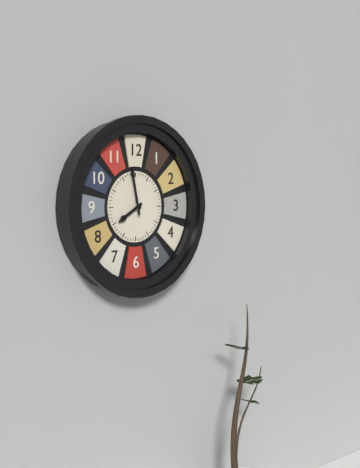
7:58
